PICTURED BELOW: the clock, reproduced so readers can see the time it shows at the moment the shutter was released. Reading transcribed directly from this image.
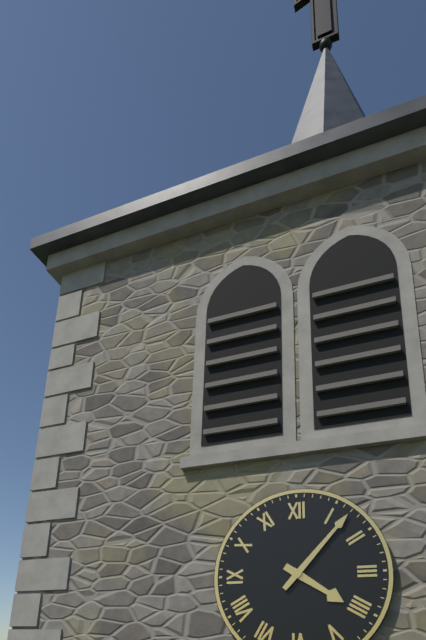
4:07
